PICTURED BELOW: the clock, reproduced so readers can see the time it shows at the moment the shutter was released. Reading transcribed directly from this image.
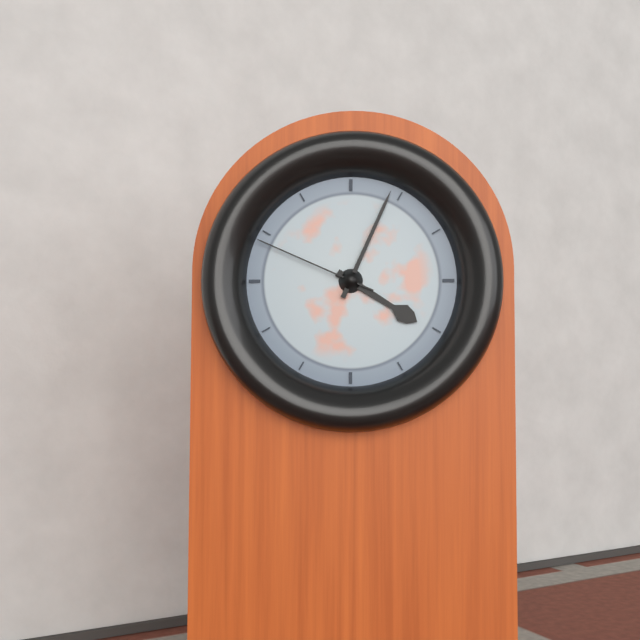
4:04:49
